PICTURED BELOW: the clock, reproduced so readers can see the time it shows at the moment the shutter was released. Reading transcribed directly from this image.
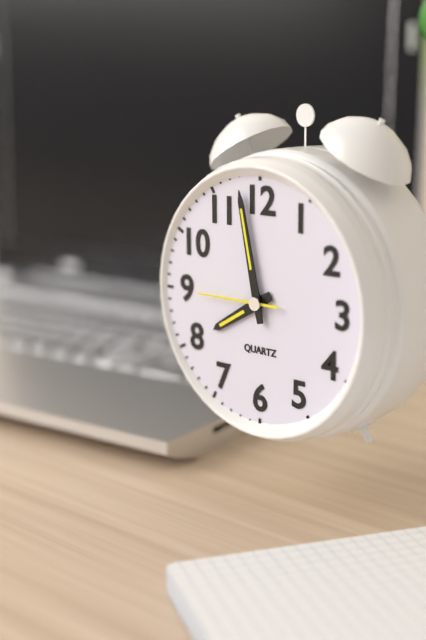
7:58:45
